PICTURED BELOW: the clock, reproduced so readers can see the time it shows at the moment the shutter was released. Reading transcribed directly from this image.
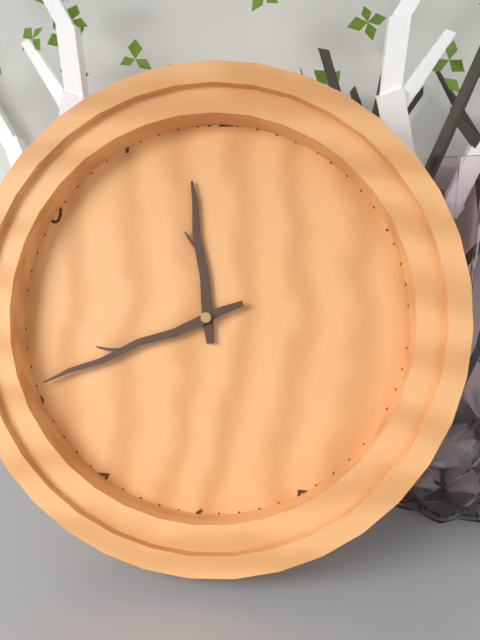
11:41
